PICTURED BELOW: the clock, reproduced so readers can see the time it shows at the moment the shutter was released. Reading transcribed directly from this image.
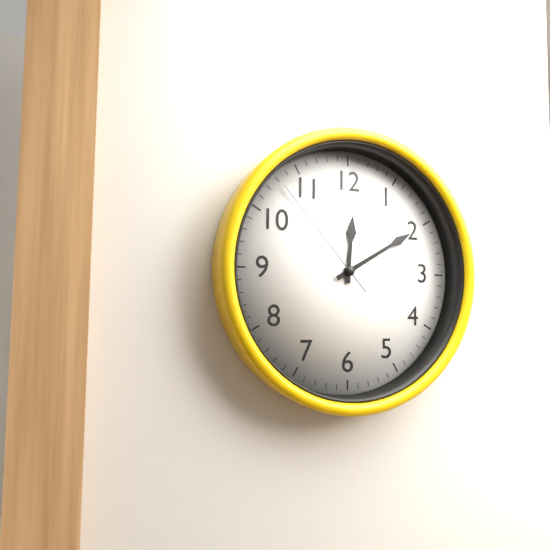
12:10:53
